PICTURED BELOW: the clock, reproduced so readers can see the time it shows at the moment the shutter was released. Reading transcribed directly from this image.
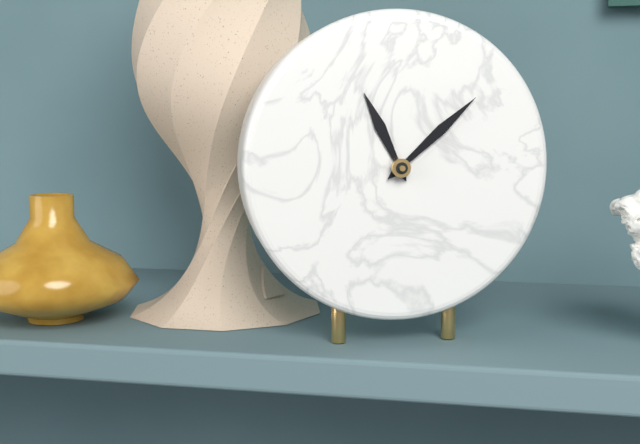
11:08
